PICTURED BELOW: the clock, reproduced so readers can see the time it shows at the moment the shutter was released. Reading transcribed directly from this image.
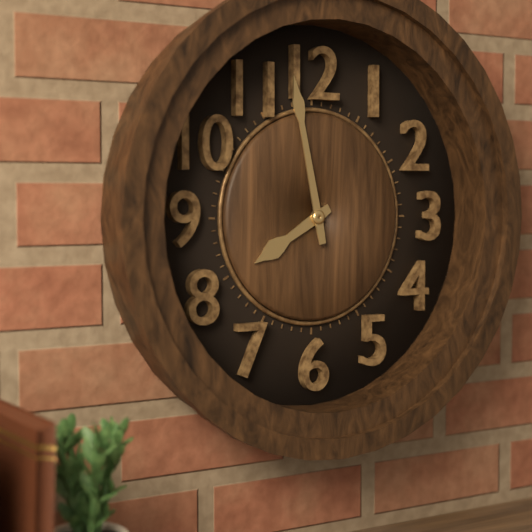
7:58
